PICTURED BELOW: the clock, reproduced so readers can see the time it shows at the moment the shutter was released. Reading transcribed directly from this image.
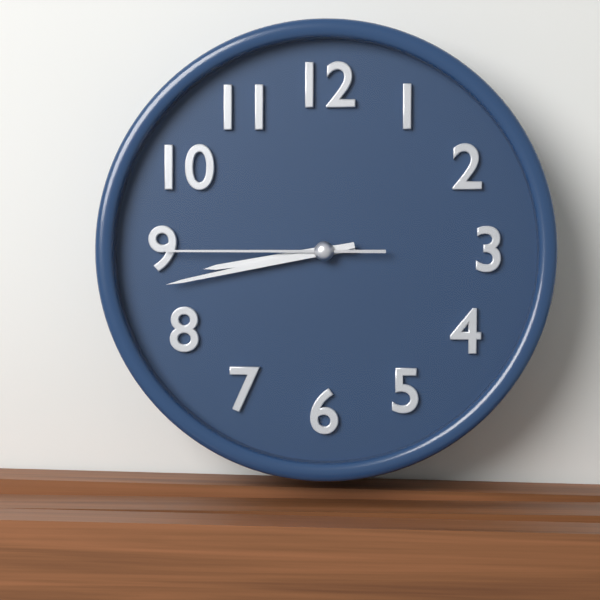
8:43:45
